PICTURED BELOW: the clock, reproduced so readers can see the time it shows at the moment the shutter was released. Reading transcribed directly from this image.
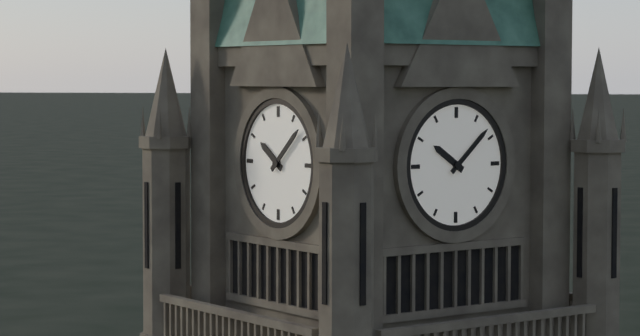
10:08
